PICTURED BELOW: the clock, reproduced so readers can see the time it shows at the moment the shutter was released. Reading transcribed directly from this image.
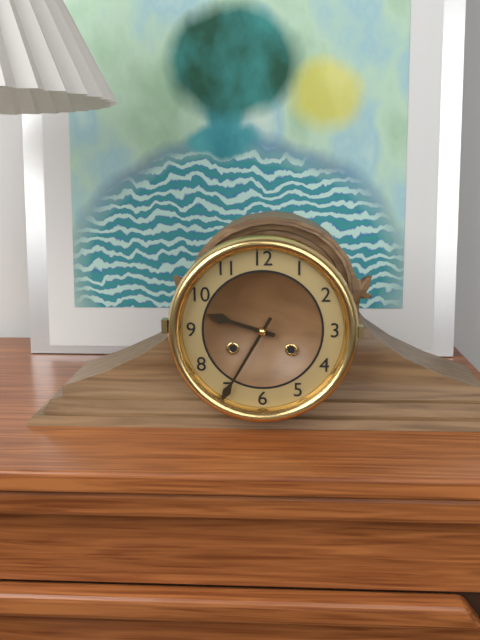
9:35
